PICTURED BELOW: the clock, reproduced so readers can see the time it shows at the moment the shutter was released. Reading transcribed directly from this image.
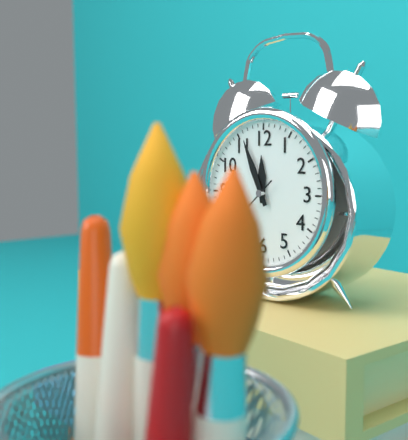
11:56
